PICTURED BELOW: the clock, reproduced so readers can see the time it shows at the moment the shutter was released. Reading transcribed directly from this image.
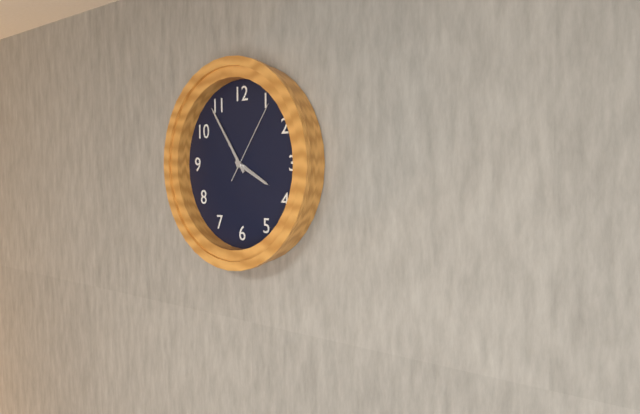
3:54:06
